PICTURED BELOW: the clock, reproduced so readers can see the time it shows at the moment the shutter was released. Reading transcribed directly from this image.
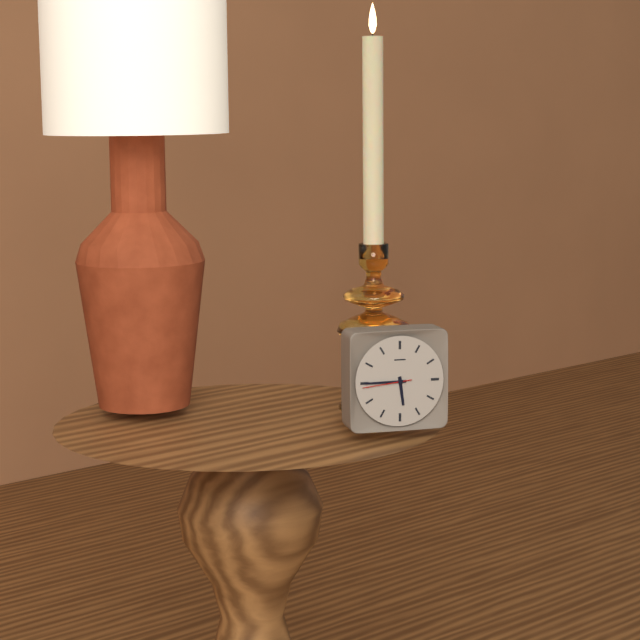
5:45
